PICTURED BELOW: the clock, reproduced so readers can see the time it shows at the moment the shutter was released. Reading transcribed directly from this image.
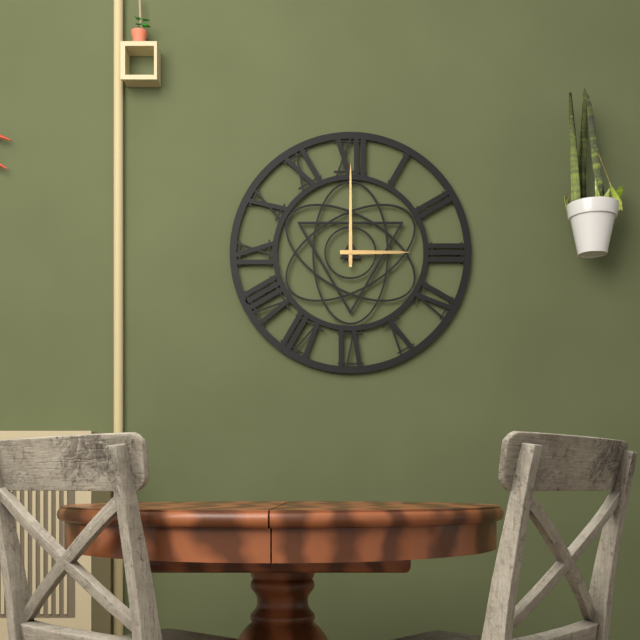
3:00
